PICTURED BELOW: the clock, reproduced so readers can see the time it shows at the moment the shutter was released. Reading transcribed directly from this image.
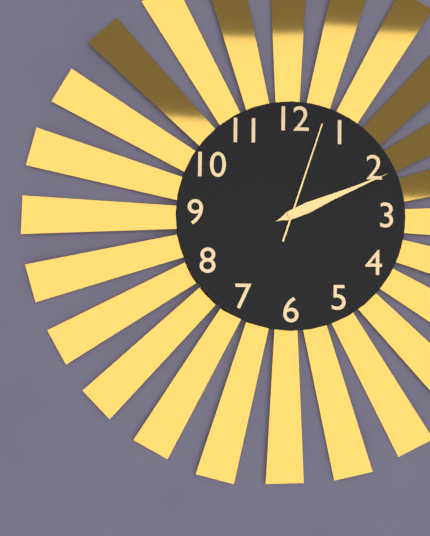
2:11:03
